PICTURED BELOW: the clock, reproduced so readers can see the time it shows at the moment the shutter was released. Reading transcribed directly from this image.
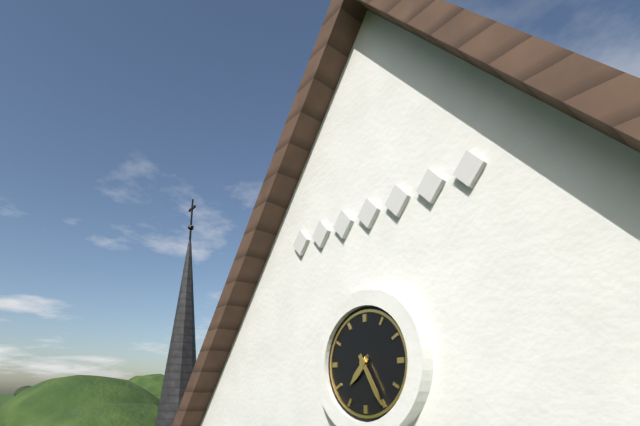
7:25
